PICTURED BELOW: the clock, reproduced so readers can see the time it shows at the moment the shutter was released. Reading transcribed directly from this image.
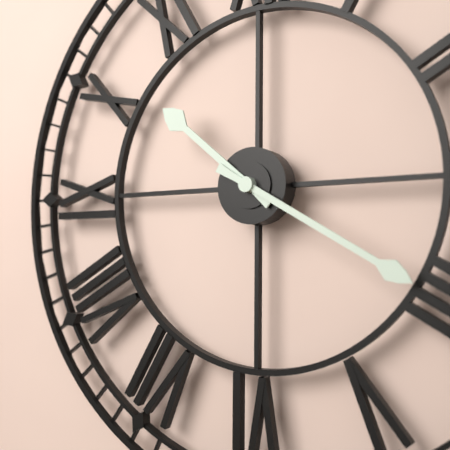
10:20
